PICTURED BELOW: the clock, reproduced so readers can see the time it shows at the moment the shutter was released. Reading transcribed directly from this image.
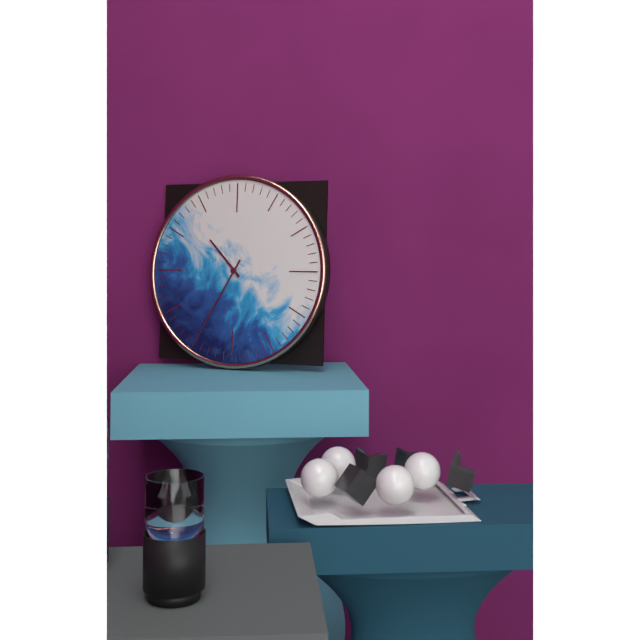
10:35
